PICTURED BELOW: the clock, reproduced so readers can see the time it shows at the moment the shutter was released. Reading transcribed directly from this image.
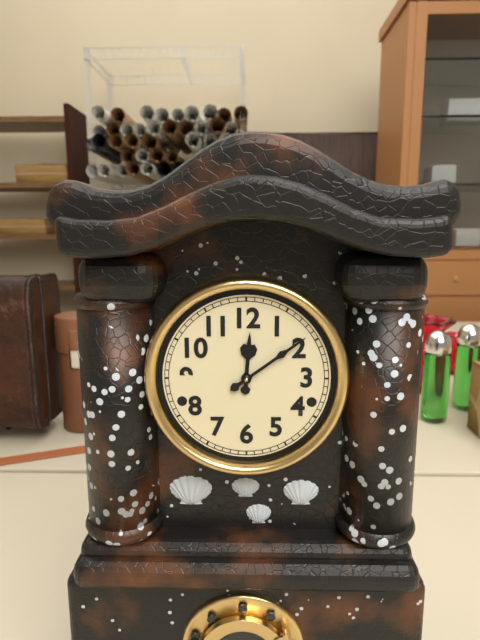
12:09
